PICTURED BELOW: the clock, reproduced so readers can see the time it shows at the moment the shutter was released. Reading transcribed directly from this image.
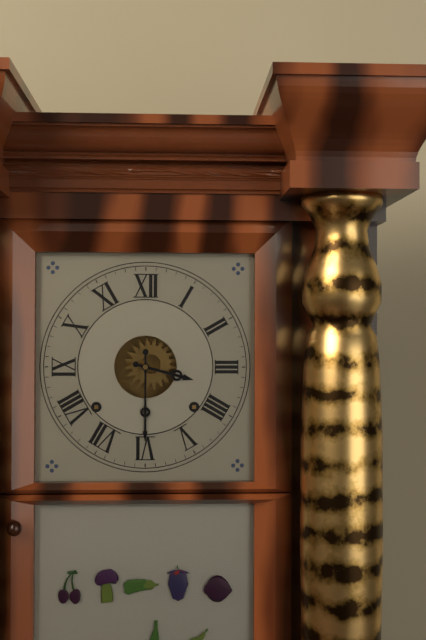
3:30
